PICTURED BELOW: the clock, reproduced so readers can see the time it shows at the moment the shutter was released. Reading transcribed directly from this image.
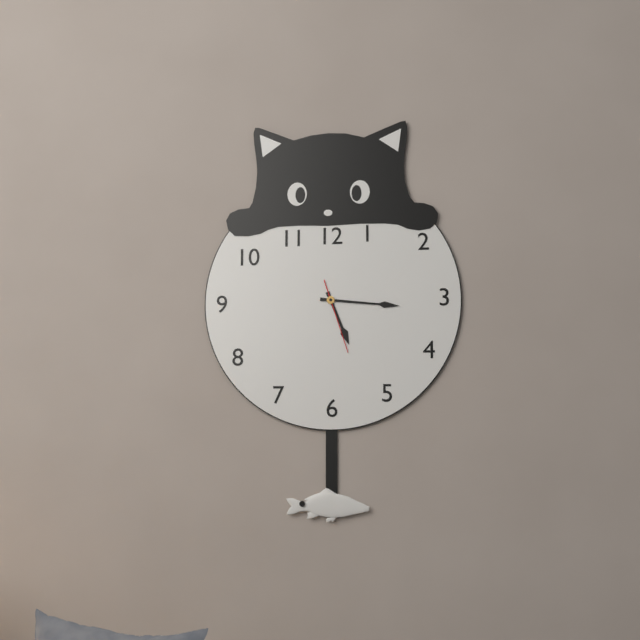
5:16:27
